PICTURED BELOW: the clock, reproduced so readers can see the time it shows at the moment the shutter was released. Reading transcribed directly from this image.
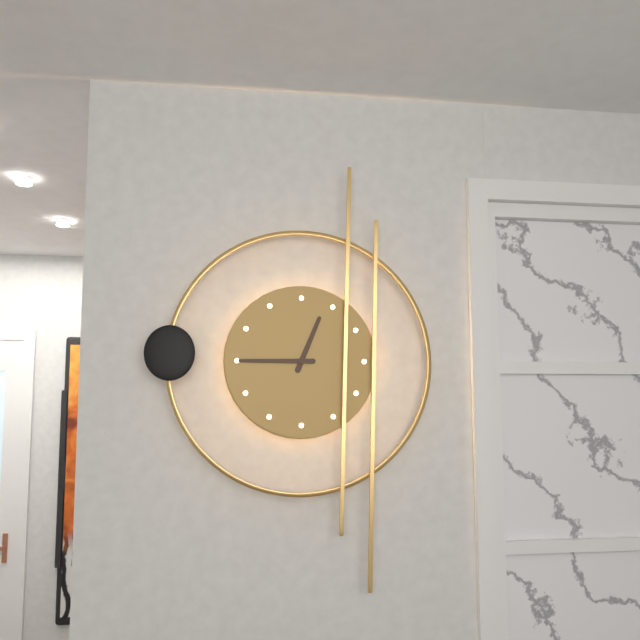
12:45
